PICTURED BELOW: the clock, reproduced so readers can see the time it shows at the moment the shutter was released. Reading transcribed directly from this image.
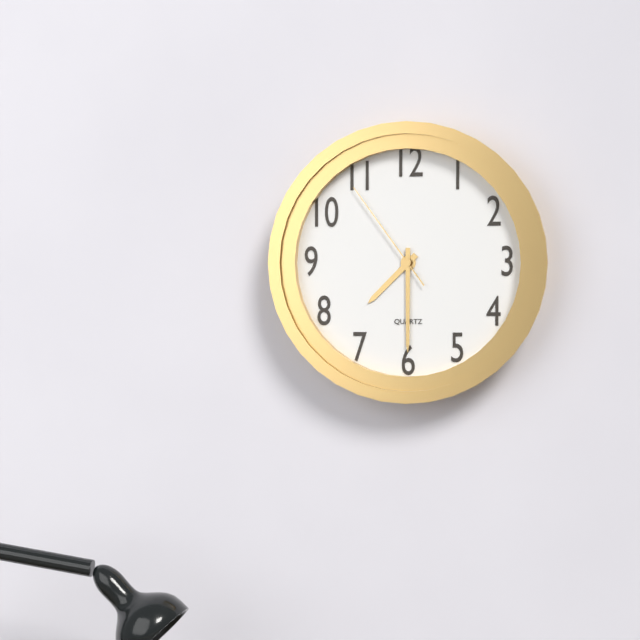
7:30:54
